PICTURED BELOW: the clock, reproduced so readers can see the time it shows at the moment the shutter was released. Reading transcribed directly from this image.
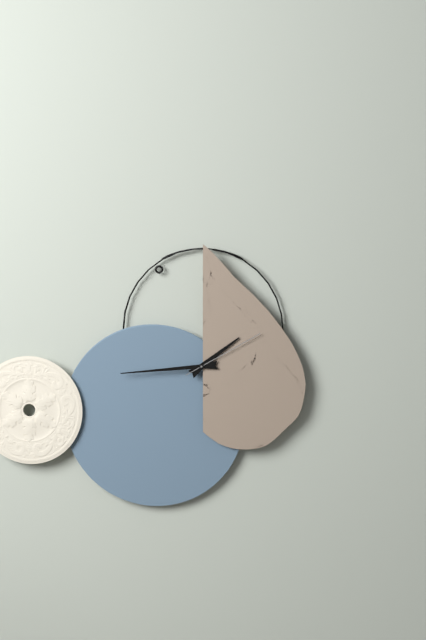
1:44:10
